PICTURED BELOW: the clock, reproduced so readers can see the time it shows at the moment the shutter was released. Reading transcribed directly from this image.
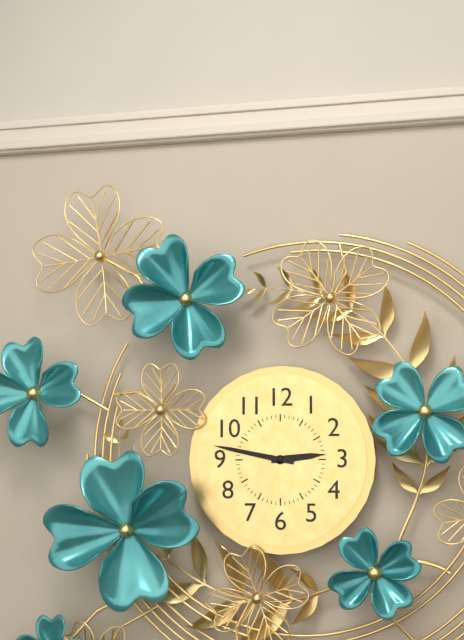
2:47
